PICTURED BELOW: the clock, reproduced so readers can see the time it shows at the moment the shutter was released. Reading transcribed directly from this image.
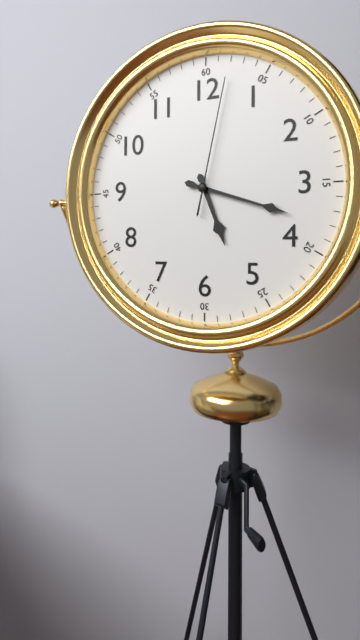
5:18:02
